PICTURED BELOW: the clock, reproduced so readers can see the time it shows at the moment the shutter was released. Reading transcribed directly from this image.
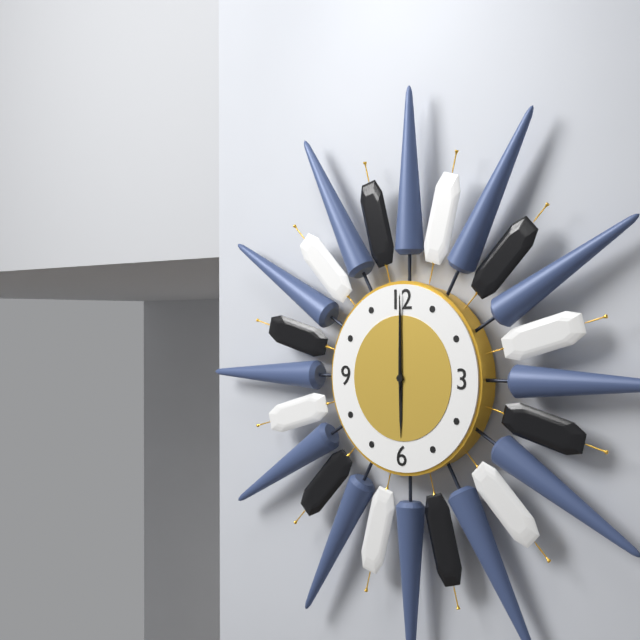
6:00:00
